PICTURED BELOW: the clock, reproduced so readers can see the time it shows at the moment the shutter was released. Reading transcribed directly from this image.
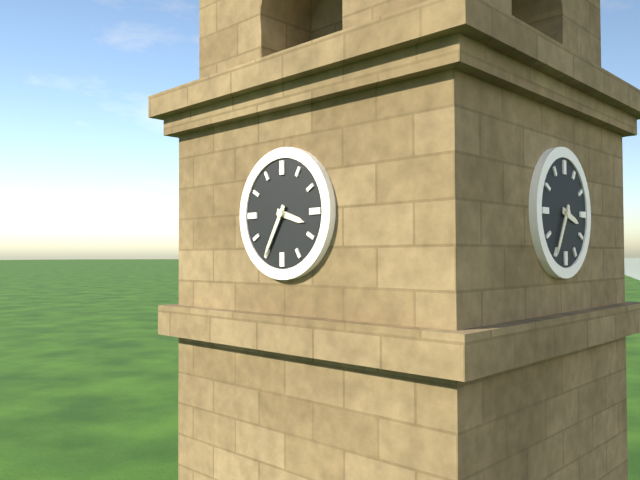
3:35
